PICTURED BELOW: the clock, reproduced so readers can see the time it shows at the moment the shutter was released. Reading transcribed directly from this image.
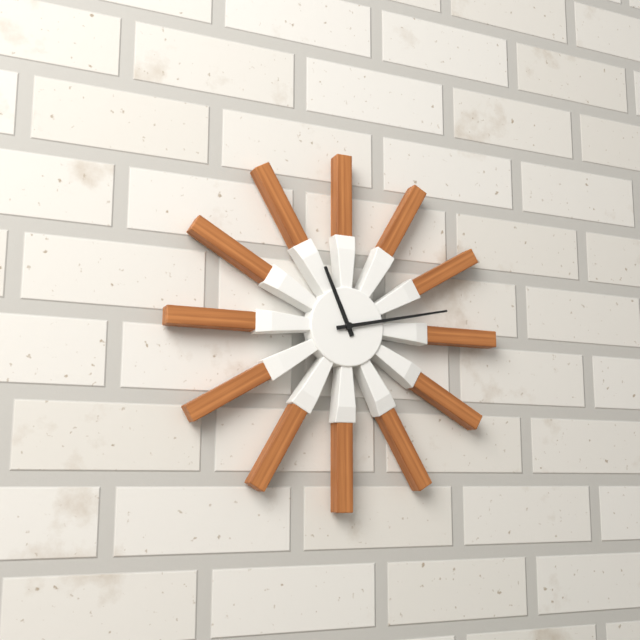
11:13
